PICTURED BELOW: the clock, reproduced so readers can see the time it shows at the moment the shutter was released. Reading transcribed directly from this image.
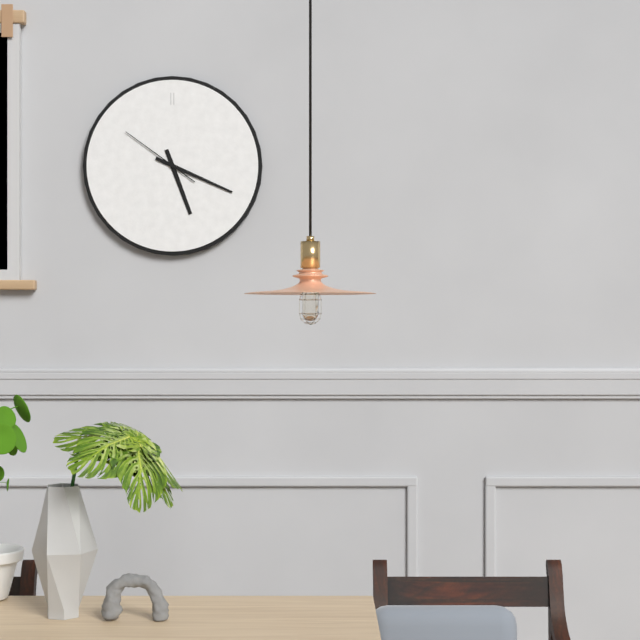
5:19:51
